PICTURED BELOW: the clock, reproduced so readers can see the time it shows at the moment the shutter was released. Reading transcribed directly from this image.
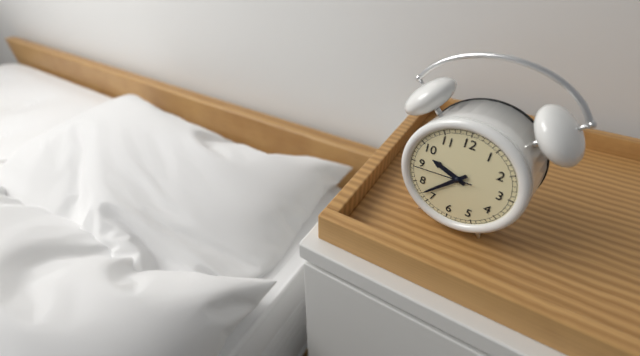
9:37:44
